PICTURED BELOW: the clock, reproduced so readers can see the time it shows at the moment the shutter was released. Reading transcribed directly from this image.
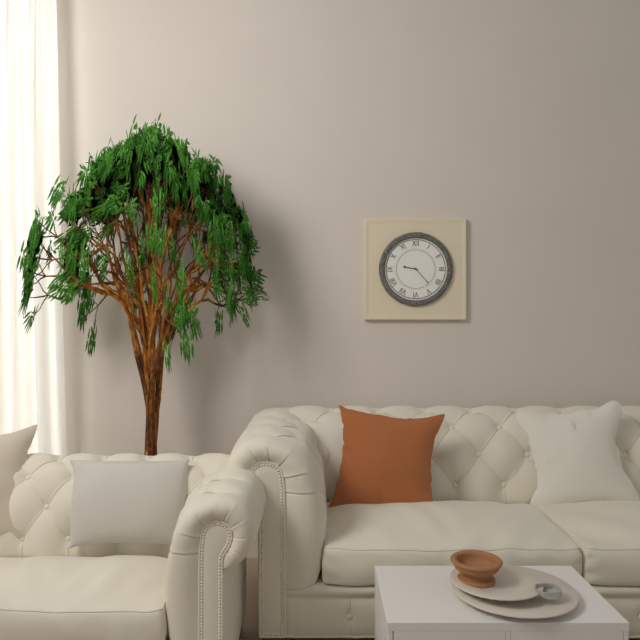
9:23
